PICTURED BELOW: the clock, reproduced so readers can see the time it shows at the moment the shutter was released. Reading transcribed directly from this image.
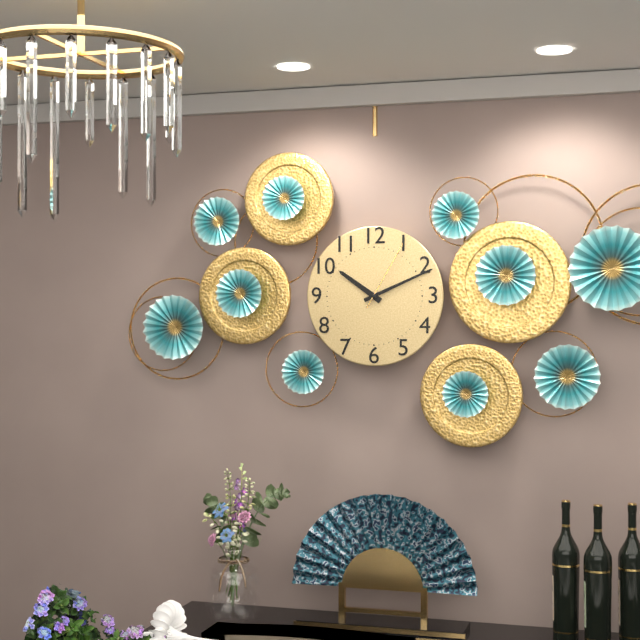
10:11:05
